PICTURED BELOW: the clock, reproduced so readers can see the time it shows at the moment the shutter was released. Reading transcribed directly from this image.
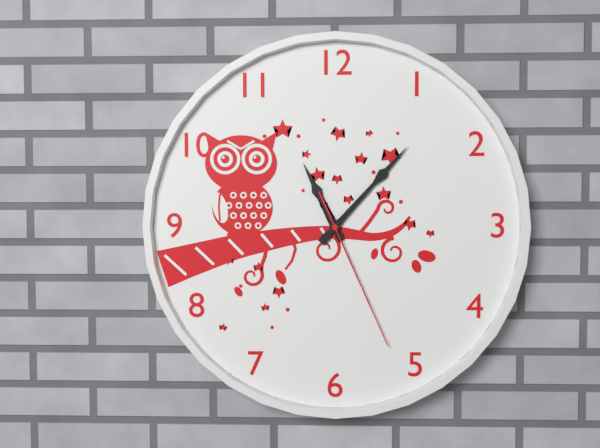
11:07:26
